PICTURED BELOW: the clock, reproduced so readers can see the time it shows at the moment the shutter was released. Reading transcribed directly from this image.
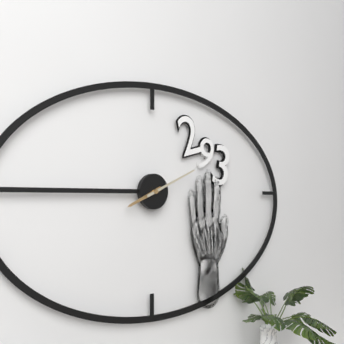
8:11
